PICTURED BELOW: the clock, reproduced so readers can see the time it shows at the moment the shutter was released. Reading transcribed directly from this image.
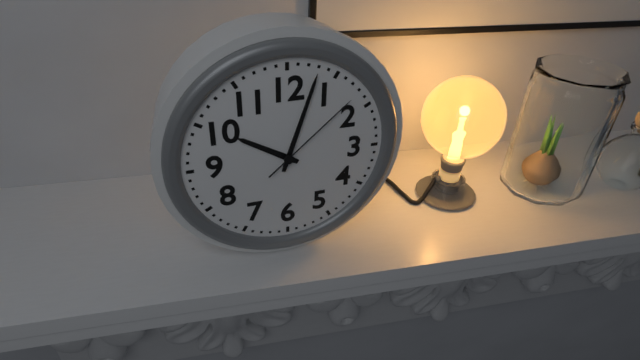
10:03:08
